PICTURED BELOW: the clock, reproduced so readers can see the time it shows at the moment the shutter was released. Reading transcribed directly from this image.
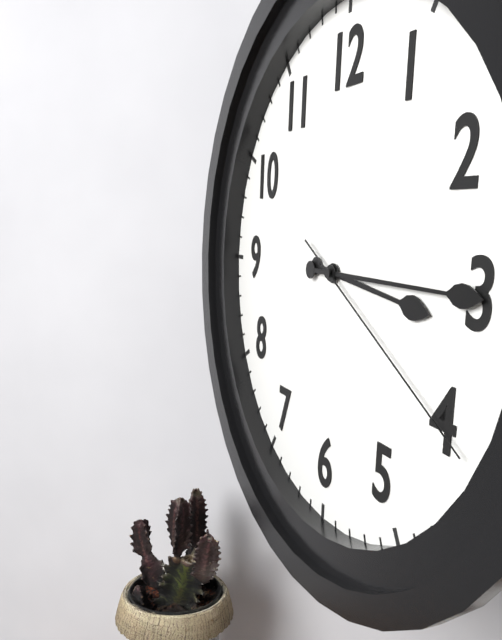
3:15:20
